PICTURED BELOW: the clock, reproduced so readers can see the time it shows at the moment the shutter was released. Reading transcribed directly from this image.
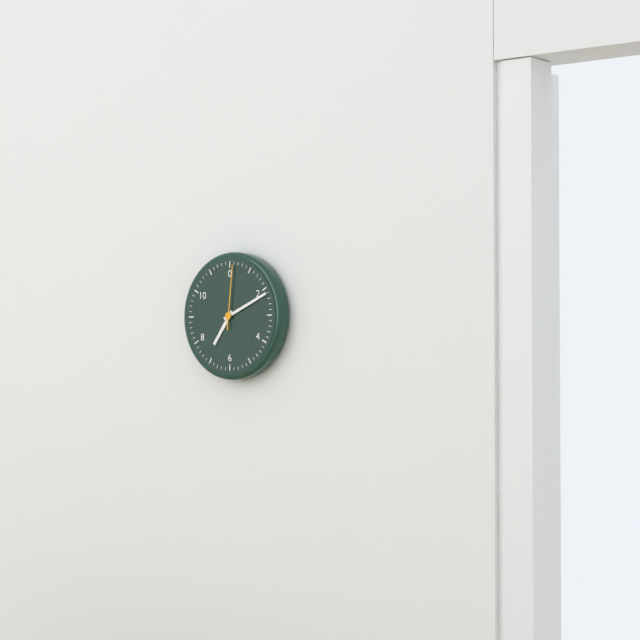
7:11:01
